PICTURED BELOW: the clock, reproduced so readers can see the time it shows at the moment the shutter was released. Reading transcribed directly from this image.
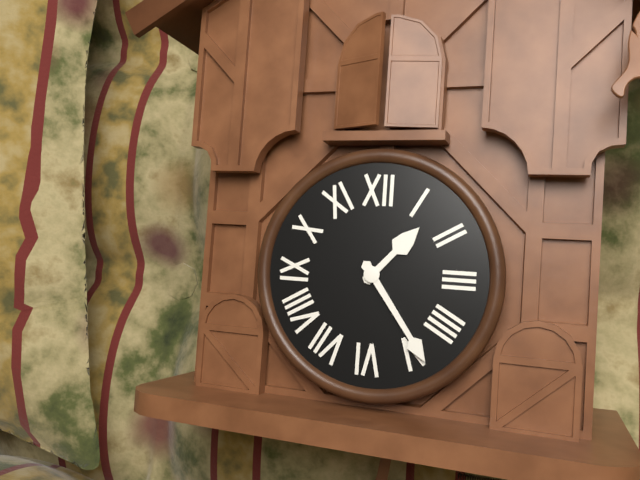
1:24
